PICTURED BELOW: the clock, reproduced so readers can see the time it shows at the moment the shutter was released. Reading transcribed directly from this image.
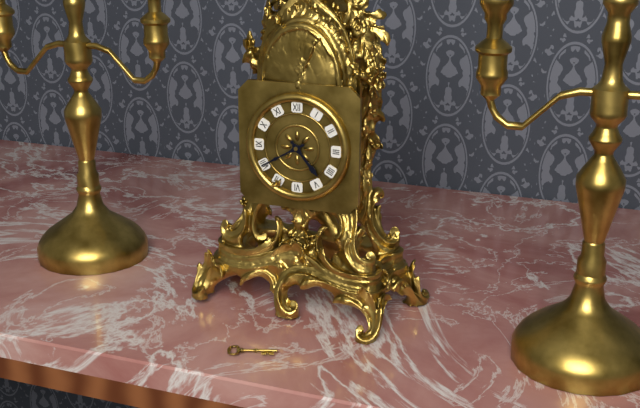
4:40
